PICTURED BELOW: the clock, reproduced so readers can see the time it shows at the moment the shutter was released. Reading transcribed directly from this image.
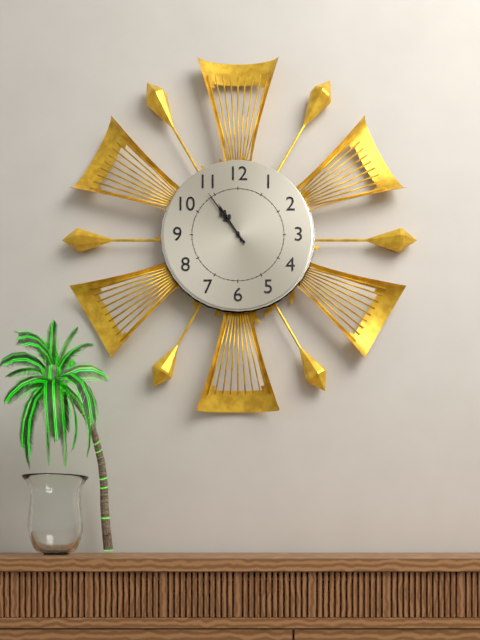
10:54
